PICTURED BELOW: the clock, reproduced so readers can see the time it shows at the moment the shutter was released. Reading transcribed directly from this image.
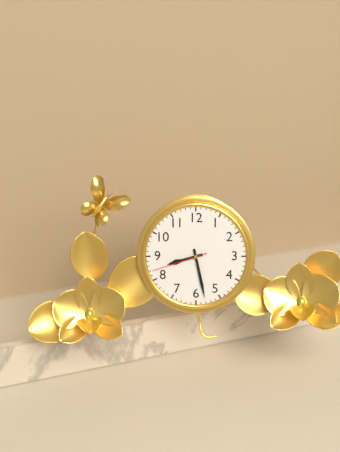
8:28:42
